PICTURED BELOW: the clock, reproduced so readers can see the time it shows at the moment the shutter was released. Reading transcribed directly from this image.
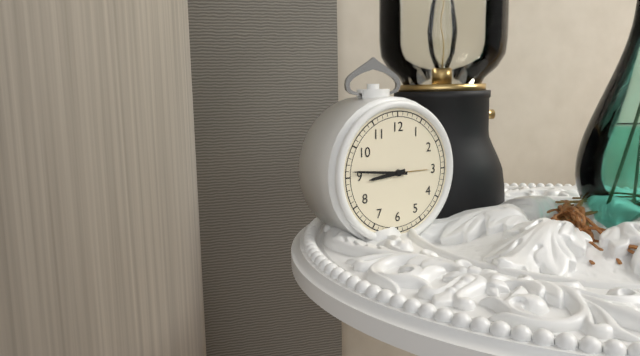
8:46
